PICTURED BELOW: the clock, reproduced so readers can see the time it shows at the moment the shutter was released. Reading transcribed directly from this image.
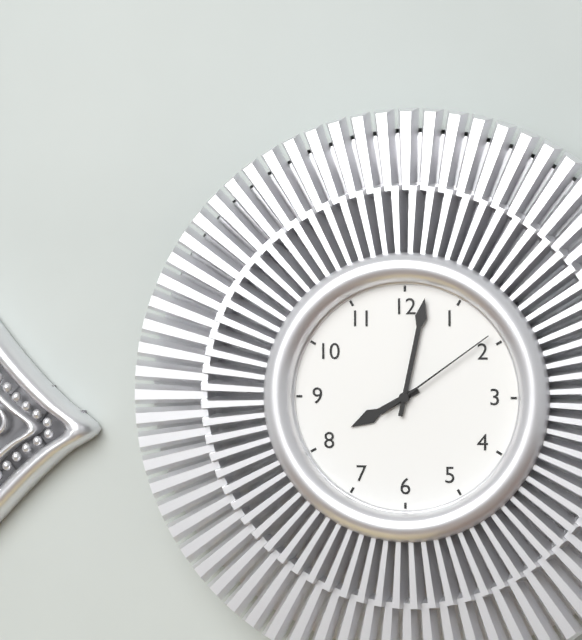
8:02:09
